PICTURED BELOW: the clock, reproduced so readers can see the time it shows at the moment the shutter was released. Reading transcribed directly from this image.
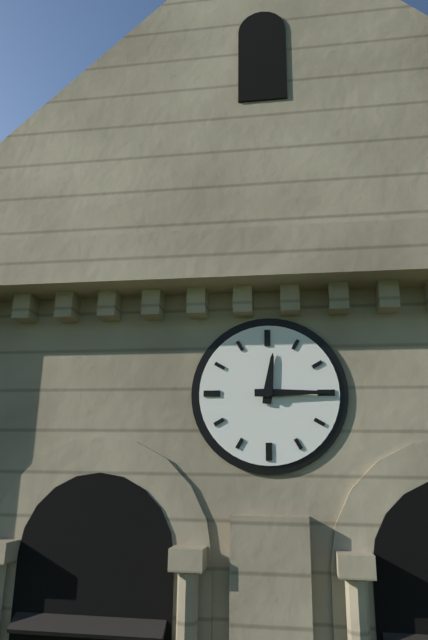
12:15
